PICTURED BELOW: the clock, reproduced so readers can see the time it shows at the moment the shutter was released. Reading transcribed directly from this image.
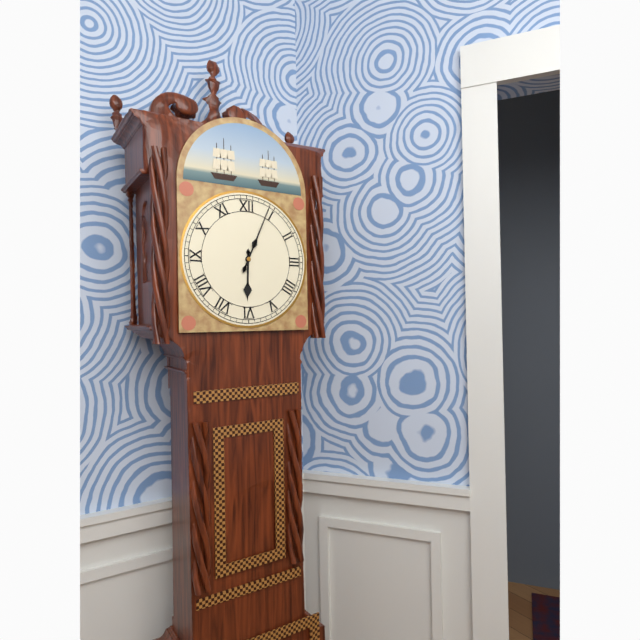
6:04
